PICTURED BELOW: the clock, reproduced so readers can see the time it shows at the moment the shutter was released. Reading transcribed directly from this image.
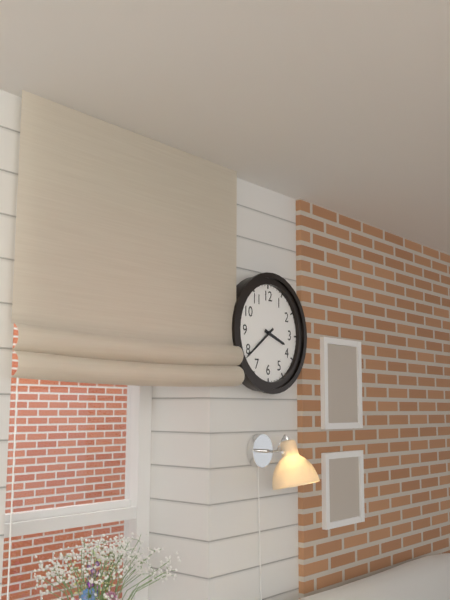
3:39
